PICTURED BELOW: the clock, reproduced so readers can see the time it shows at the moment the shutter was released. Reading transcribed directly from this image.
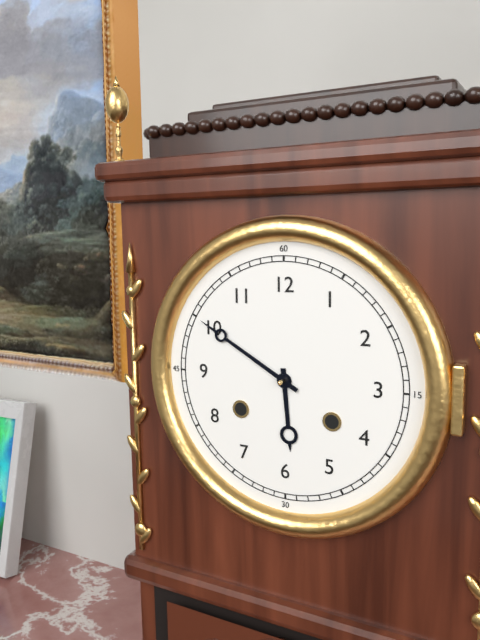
5:50
